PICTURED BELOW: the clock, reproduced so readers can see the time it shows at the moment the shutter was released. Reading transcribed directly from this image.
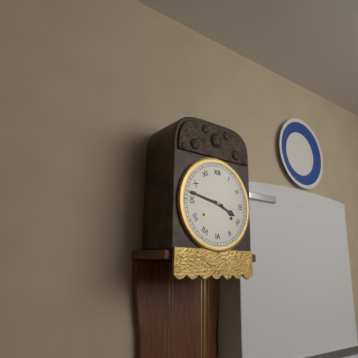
3:47
